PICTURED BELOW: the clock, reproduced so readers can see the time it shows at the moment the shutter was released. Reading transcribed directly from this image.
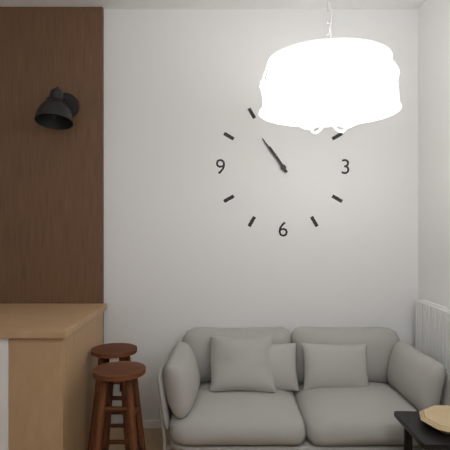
10:54
